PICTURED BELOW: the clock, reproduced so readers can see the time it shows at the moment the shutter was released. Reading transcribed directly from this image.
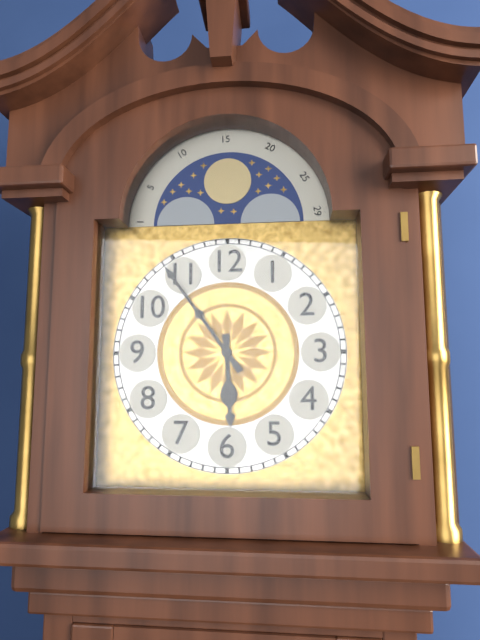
5:54
